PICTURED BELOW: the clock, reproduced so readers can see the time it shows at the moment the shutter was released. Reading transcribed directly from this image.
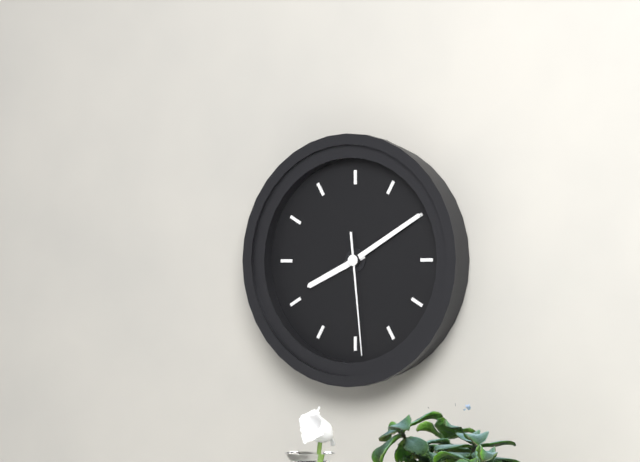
8:10:29
